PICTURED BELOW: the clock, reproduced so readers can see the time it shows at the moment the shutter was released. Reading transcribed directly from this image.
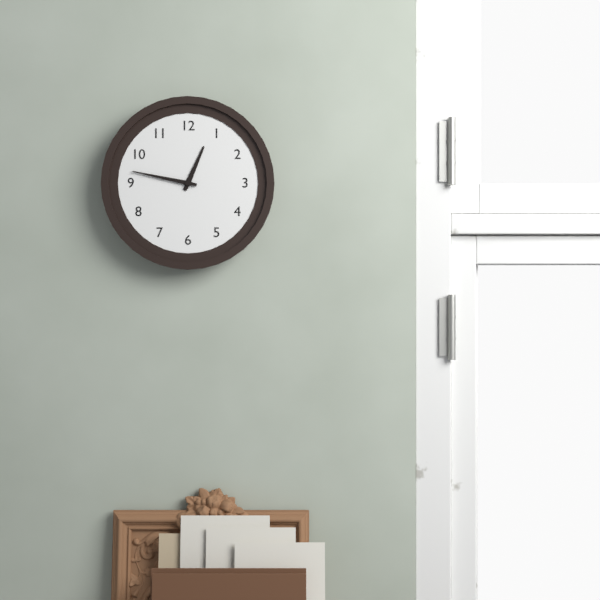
12:47
